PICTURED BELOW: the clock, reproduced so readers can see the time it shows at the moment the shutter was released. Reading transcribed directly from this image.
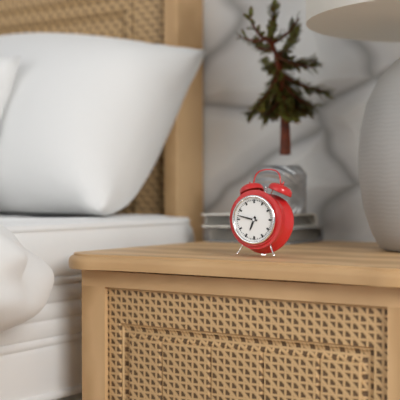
6:47
